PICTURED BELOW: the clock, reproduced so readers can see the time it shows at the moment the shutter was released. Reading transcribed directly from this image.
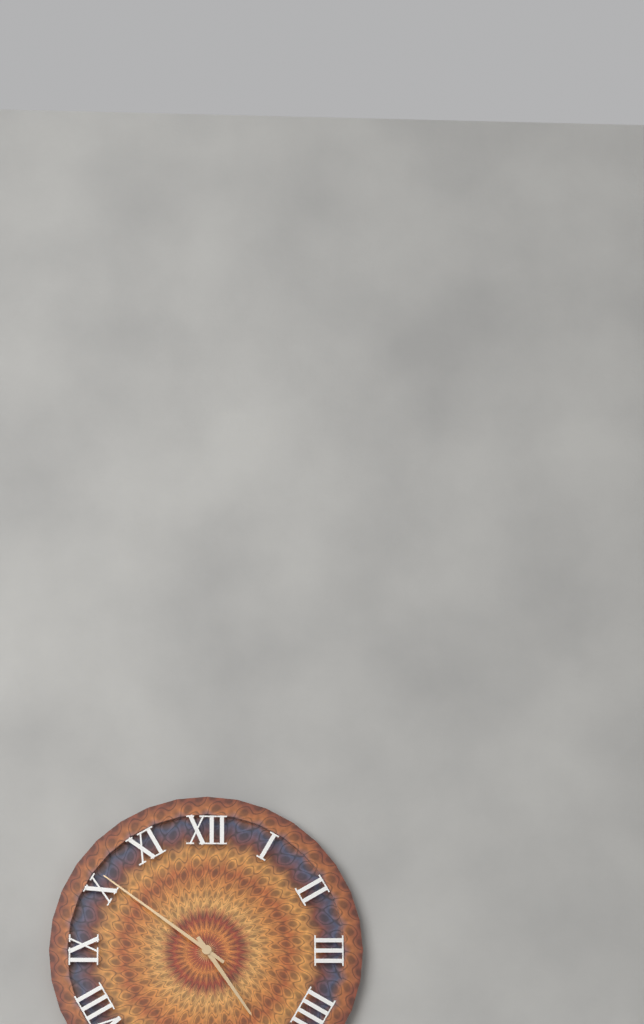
4:51
